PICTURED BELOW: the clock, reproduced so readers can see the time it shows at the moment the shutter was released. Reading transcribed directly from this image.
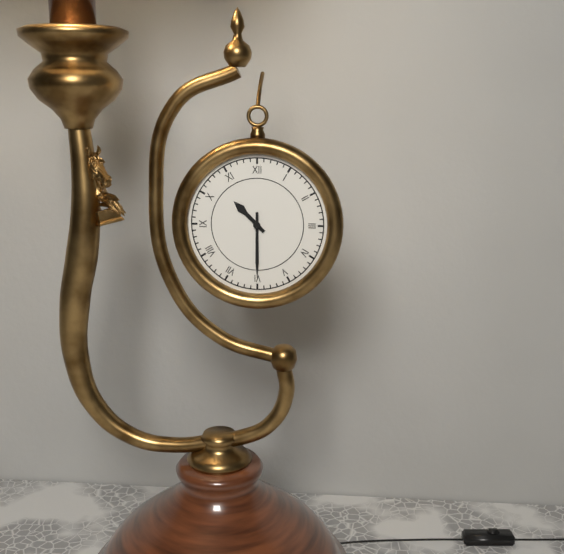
10:30
